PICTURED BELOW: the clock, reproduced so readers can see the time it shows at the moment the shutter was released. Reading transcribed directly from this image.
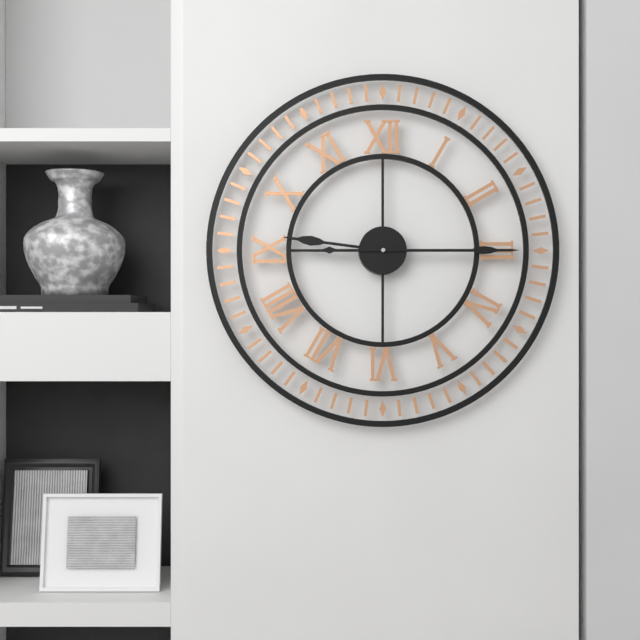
9:15
